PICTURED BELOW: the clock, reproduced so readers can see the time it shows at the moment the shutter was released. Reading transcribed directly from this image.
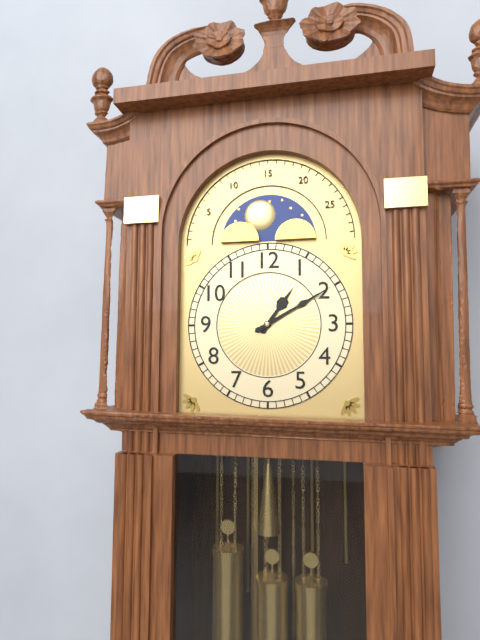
1:10
